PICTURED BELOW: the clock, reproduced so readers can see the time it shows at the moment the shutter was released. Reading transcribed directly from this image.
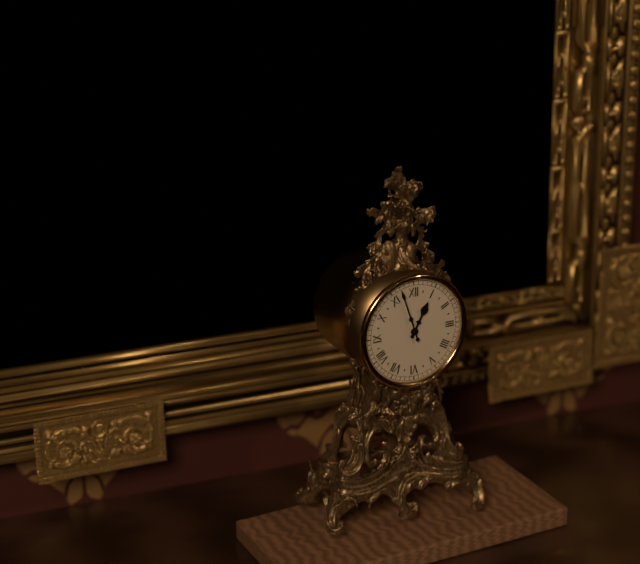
12:57
